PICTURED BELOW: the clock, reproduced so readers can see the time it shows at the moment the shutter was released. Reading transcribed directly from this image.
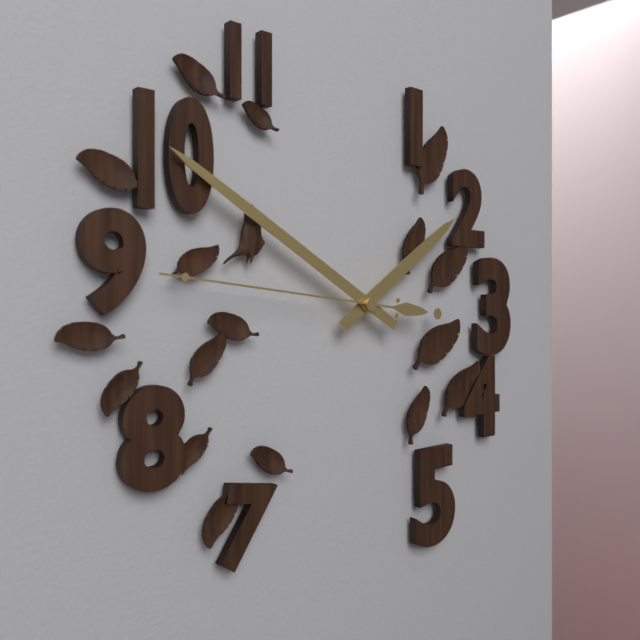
1:50:46
